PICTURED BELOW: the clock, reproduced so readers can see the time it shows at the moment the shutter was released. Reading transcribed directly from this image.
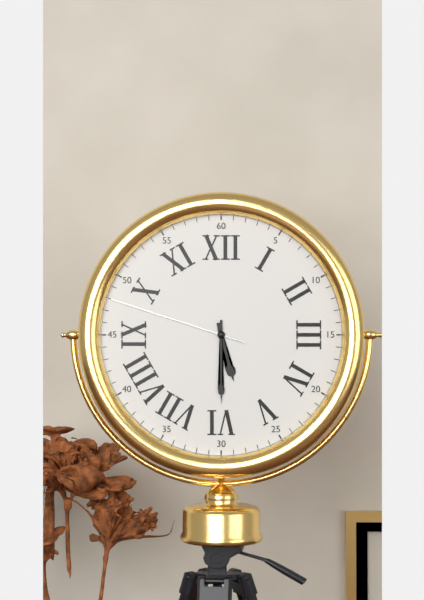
5:30:48
